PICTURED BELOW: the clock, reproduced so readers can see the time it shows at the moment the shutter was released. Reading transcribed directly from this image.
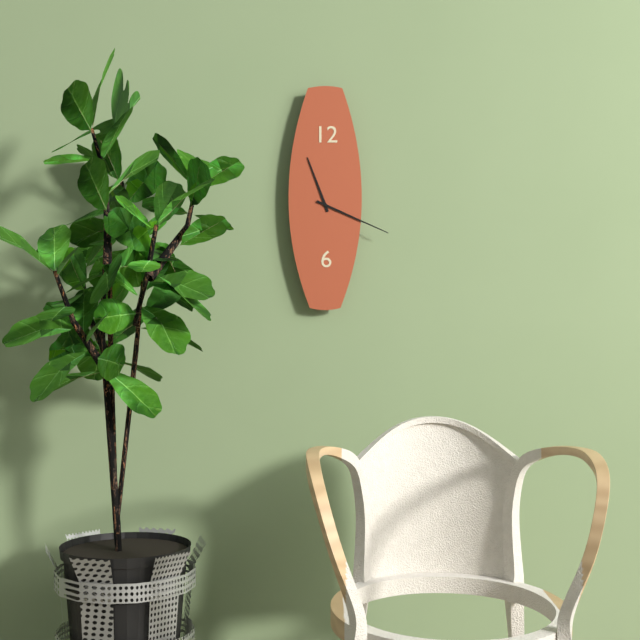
11:19
